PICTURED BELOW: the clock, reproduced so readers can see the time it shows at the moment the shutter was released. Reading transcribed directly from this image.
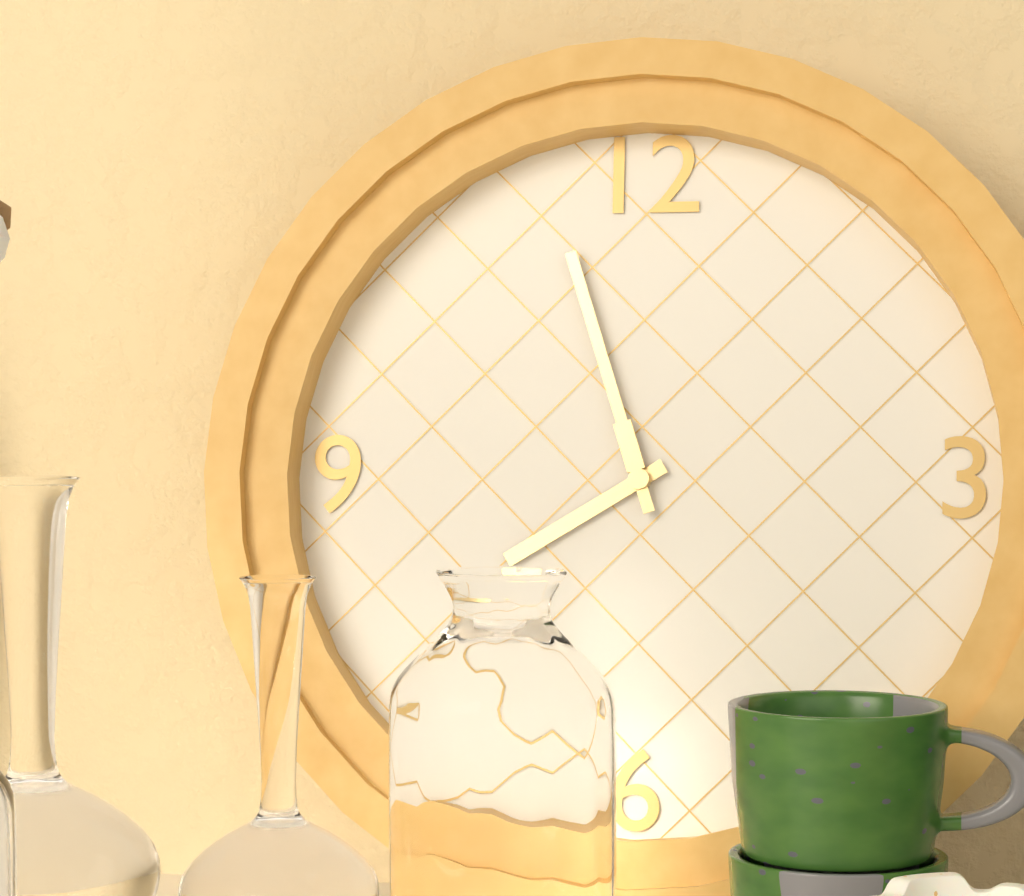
7:57
